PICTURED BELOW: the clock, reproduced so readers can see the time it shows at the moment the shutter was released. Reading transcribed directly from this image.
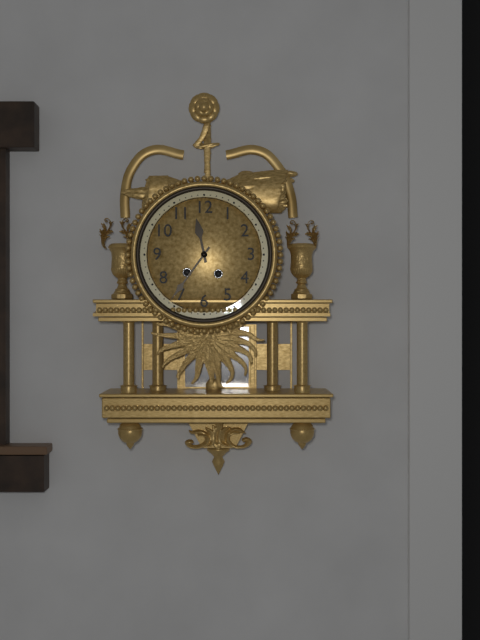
11:36
